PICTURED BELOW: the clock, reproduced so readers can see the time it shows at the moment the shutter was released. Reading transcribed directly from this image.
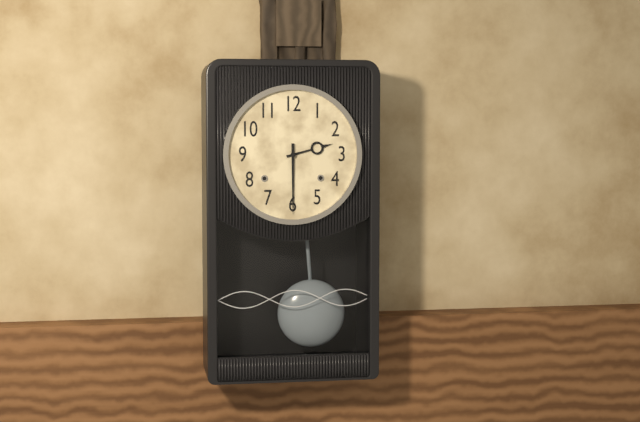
2:30
